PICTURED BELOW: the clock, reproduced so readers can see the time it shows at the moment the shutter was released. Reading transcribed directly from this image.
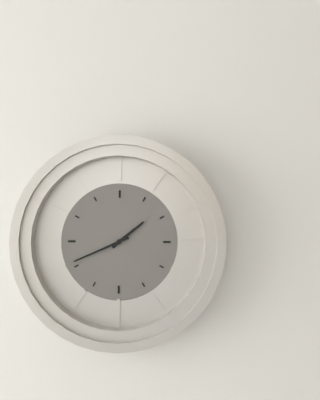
1:41
